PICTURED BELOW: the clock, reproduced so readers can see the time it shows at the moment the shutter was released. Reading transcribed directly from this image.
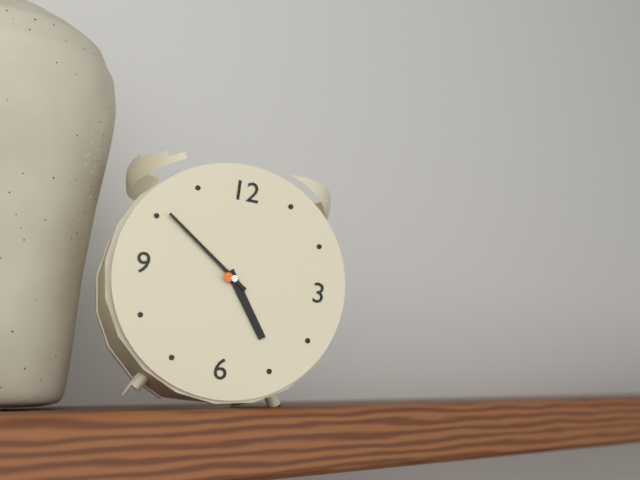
4:51
